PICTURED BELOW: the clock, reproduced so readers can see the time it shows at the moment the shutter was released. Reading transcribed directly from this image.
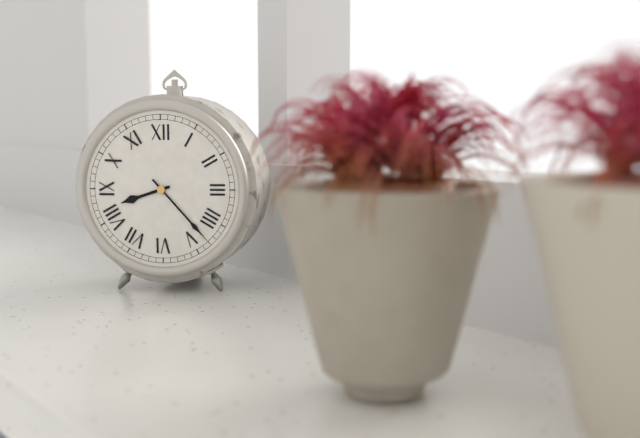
8:23
